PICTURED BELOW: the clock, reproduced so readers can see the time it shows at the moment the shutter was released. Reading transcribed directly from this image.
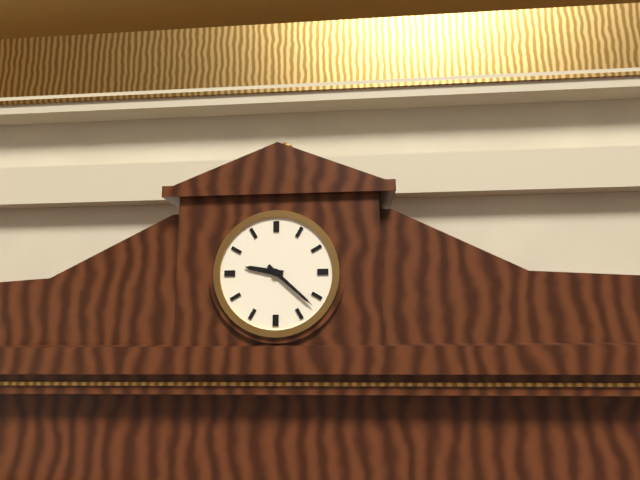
9:22
